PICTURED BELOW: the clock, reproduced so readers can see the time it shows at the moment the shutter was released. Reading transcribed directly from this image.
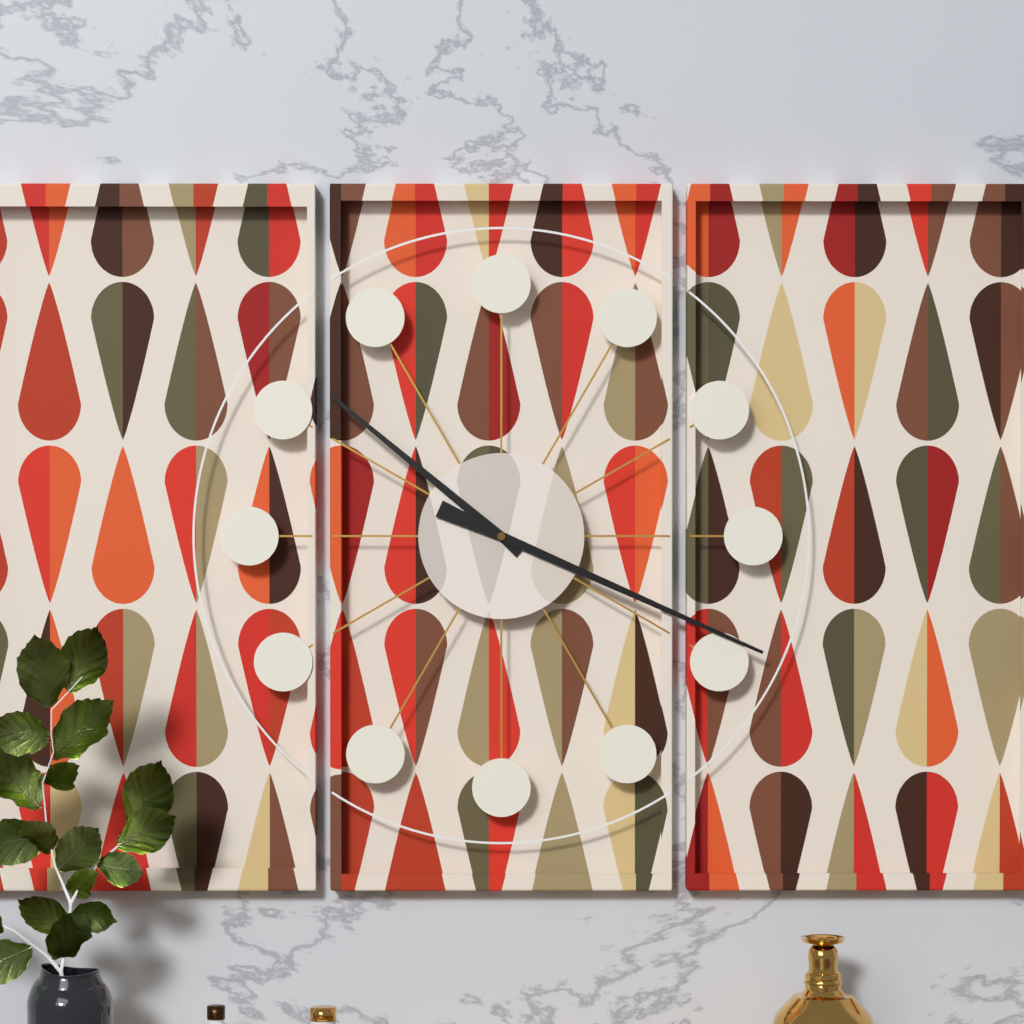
10:19
